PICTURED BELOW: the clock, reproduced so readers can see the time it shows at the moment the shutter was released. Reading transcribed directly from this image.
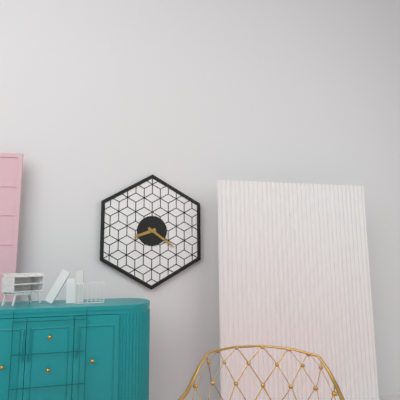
8:21
